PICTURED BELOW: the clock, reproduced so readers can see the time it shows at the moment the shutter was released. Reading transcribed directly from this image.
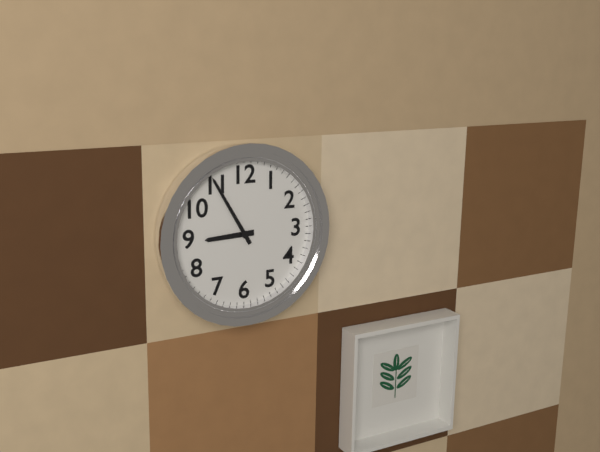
8:55
